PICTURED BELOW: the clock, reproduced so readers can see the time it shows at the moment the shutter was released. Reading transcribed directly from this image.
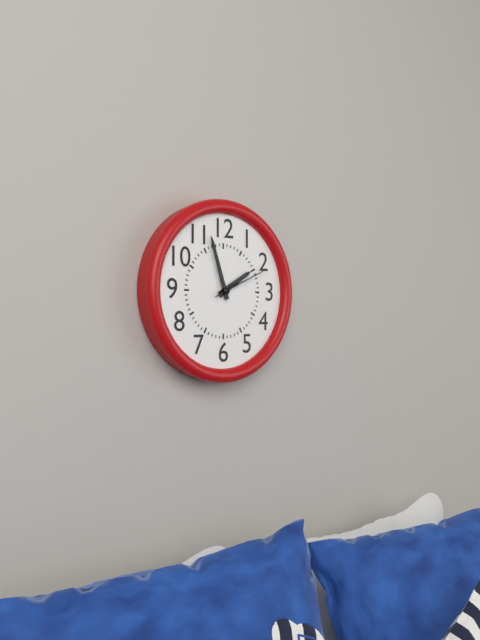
1:57:11
